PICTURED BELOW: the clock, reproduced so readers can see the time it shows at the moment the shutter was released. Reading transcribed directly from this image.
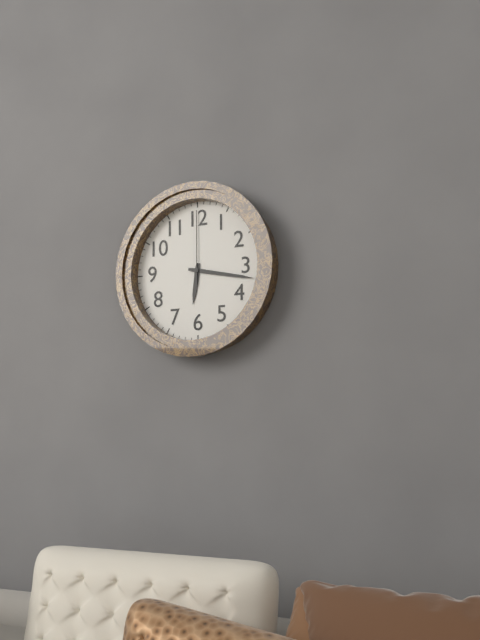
6:17:00
